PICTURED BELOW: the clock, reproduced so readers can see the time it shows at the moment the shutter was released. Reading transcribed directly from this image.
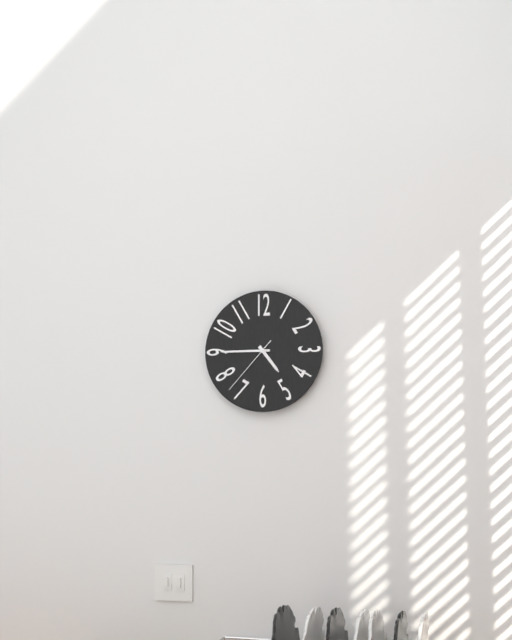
4:45:37
